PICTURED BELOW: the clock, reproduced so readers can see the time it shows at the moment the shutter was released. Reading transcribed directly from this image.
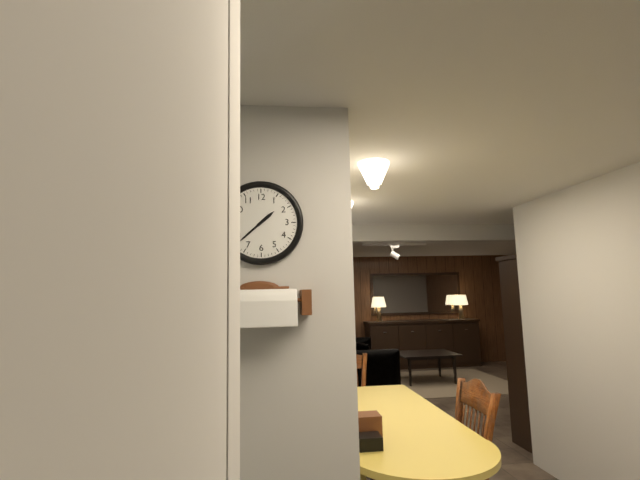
1:38
